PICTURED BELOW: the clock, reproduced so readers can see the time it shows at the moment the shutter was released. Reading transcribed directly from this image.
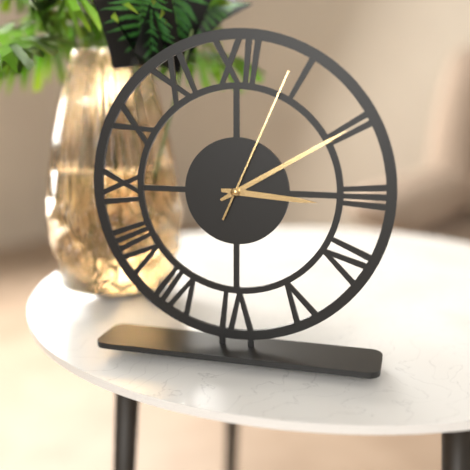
3:10:04
